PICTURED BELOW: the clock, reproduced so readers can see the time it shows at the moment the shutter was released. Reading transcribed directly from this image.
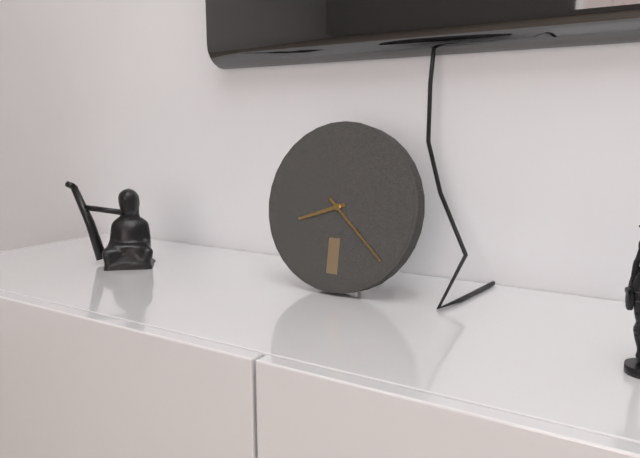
8:22
